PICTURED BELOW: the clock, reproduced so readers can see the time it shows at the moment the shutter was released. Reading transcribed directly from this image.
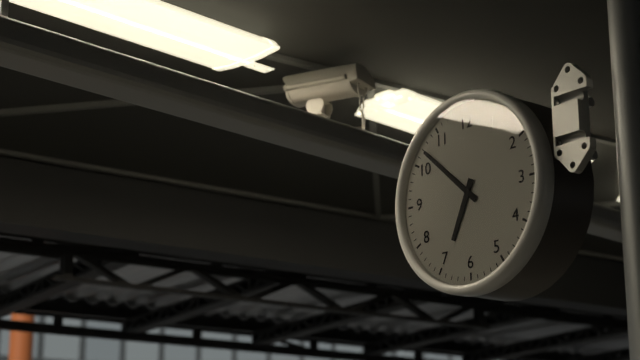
6:52
